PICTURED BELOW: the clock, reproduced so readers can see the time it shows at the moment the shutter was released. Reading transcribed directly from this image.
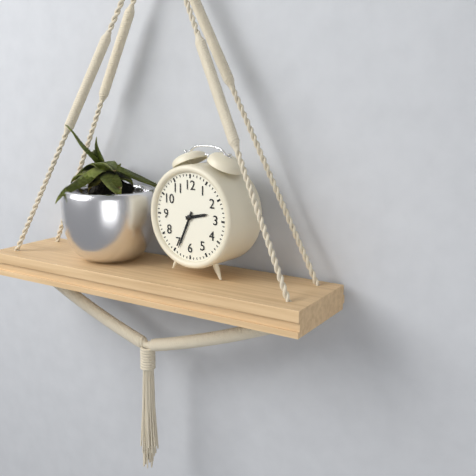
2:34
